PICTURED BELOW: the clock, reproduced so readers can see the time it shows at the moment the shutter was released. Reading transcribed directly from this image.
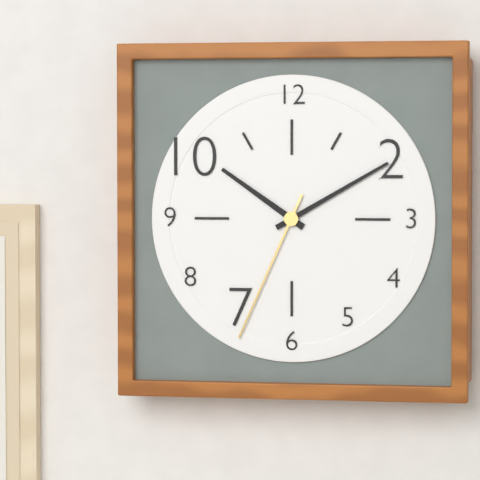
10:10:34
